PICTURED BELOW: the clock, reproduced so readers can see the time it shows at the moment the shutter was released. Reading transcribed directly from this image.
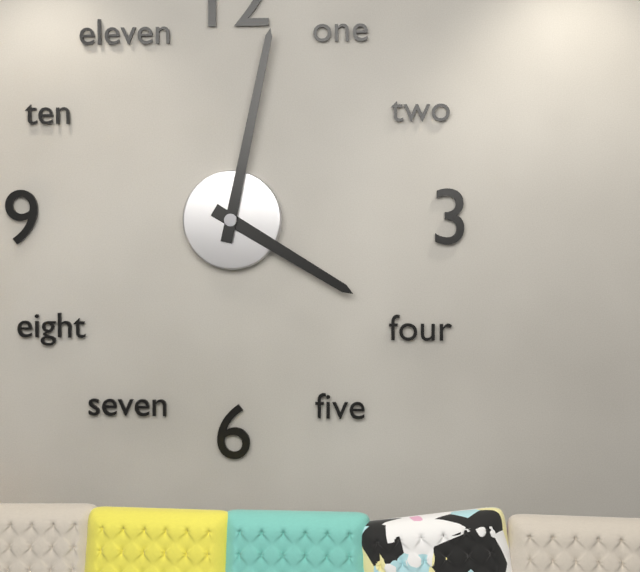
4:02
